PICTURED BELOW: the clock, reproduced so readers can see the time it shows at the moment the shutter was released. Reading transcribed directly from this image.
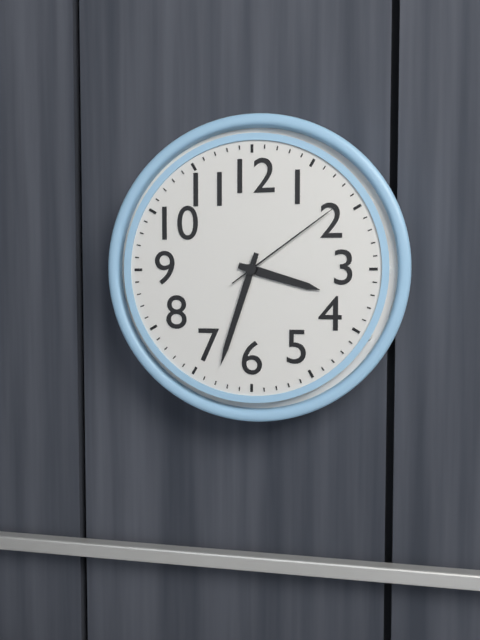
3:33:09
